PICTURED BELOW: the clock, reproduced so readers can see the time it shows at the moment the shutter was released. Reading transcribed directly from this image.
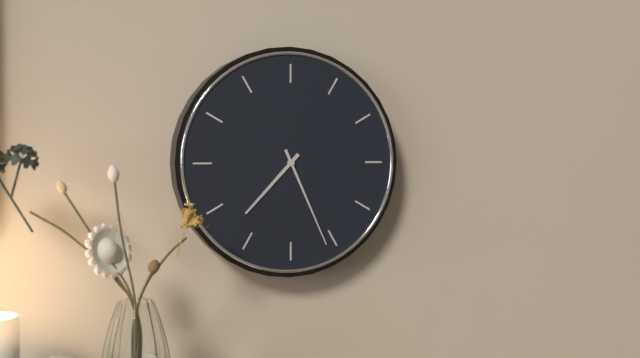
7:26
